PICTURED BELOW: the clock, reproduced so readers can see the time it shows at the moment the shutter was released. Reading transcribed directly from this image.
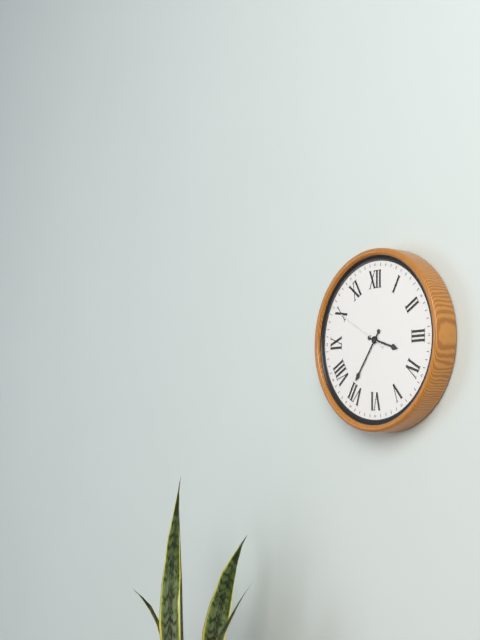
3:36:50
